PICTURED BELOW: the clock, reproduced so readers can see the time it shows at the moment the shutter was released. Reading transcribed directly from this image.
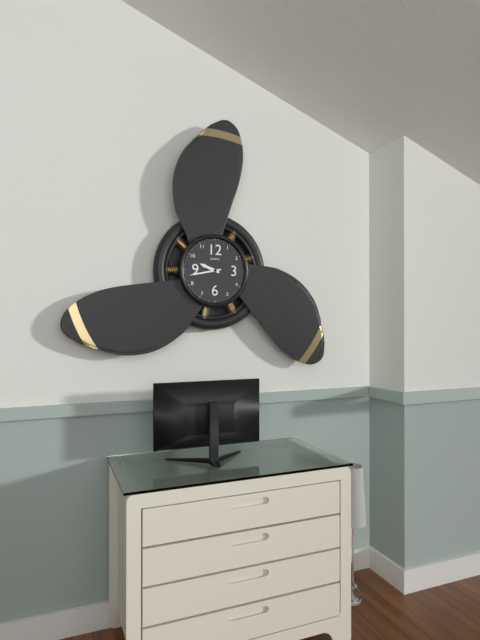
9:43
